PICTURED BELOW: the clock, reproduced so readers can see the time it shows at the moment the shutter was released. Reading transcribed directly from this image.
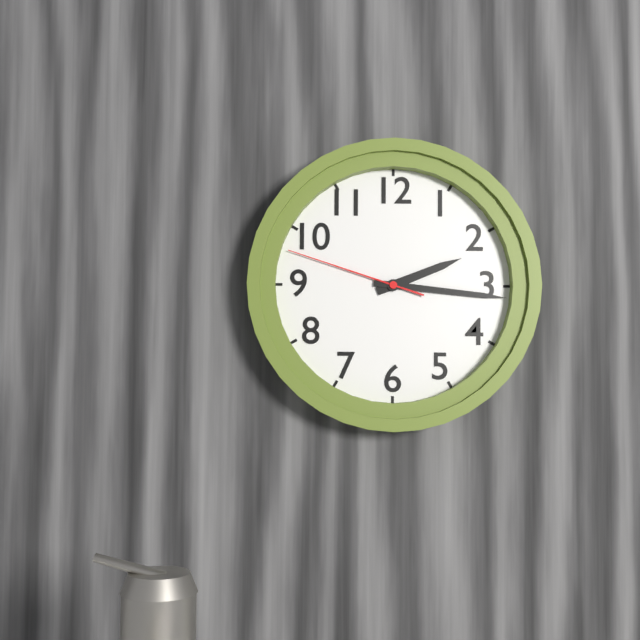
2:16:48
